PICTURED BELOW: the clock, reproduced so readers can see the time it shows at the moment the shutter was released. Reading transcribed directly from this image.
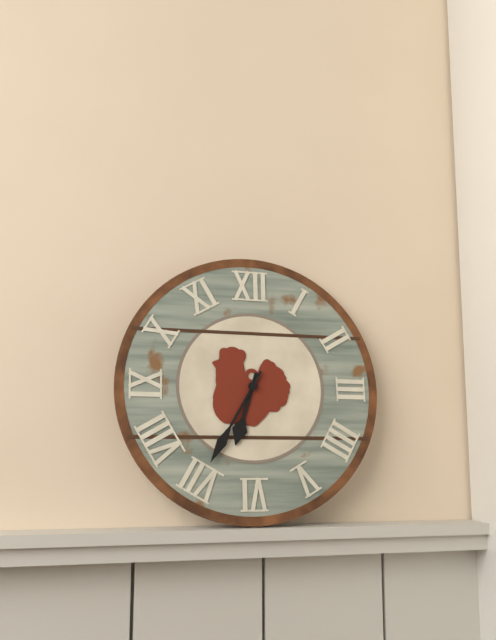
6:35
